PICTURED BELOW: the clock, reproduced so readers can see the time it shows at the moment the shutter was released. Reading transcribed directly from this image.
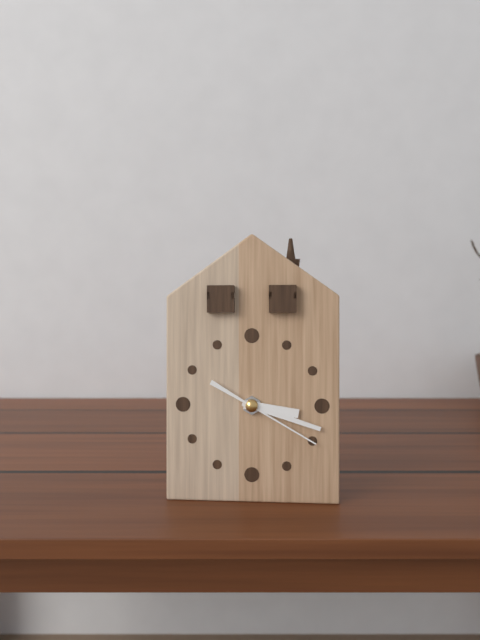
3:18:20
